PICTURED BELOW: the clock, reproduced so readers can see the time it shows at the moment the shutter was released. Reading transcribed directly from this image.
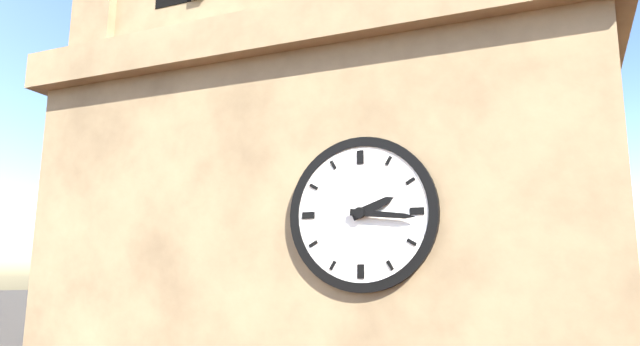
2:16
